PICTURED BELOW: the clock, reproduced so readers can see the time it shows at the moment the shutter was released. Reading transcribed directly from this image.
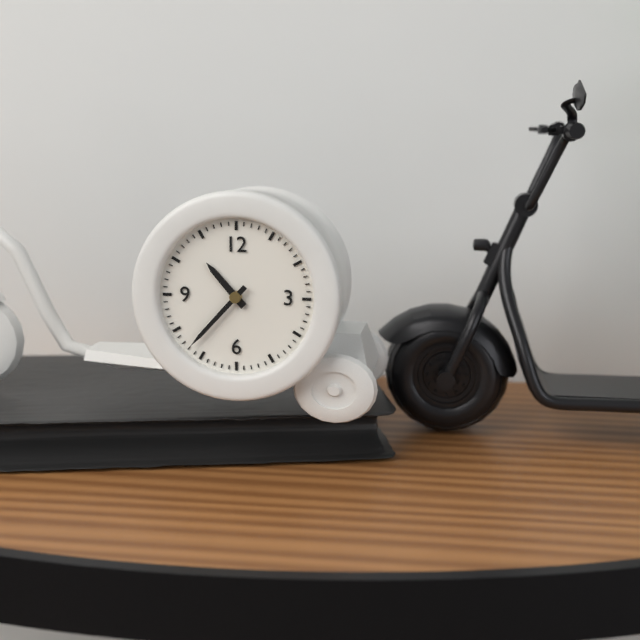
10:37
